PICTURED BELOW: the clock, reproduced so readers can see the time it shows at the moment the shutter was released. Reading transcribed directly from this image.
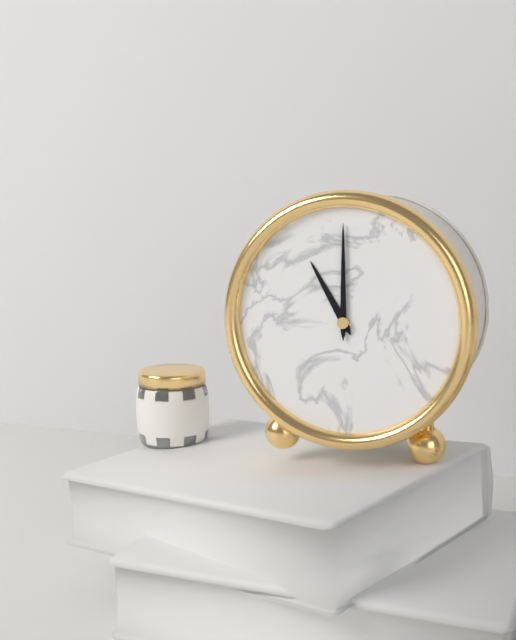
11:00
